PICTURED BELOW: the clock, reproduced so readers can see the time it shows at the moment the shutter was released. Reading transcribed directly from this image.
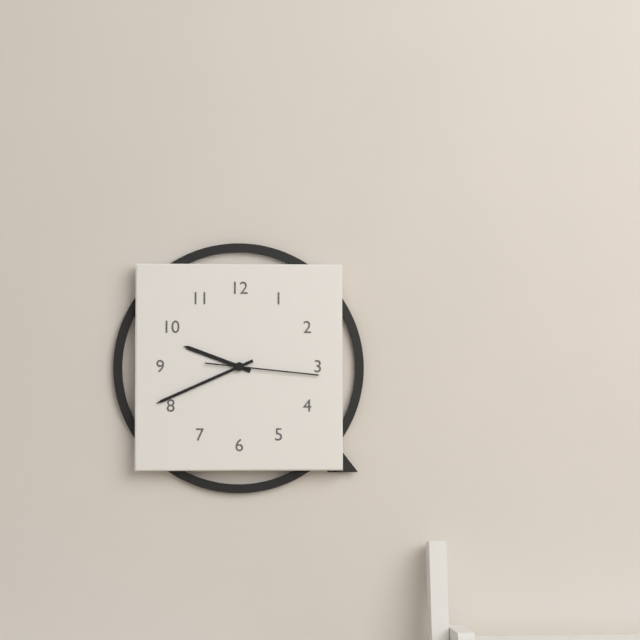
9:41:16
